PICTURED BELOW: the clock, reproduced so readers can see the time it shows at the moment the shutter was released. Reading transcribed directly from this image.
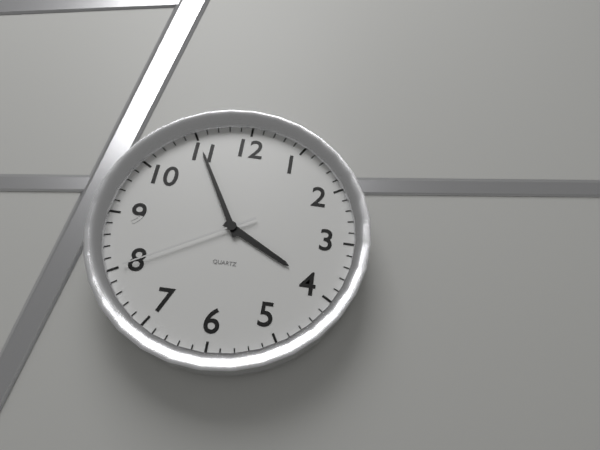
3:55:40
